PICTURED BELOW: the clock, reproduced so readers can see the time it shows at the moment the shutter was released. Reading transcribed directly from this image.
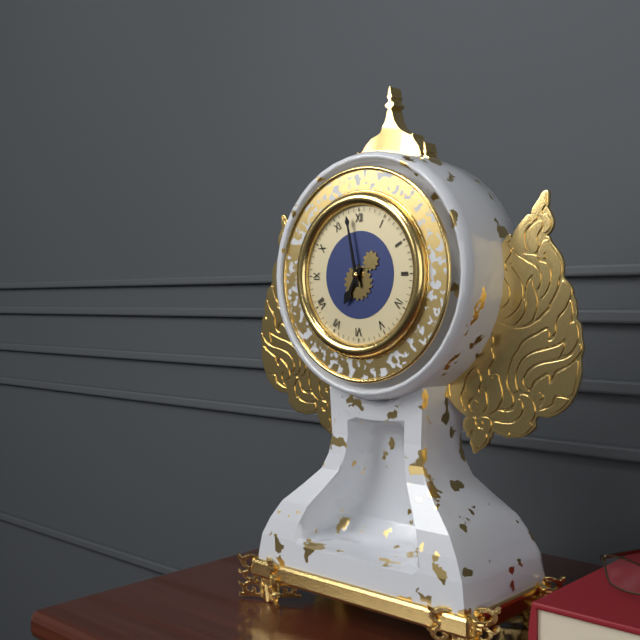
6:58
